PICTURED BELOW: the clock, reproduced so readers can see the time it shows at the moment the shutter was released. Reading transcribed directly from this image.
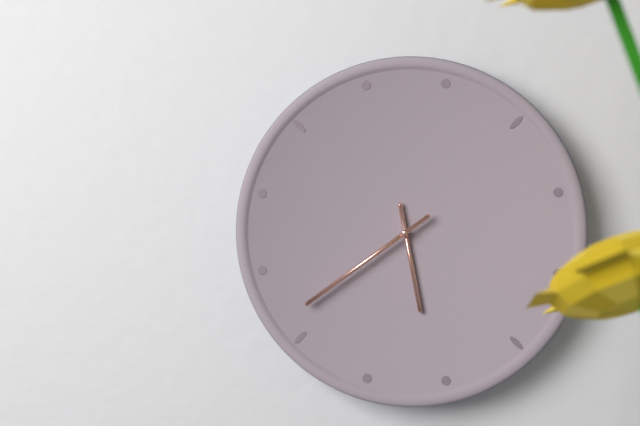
5:39
